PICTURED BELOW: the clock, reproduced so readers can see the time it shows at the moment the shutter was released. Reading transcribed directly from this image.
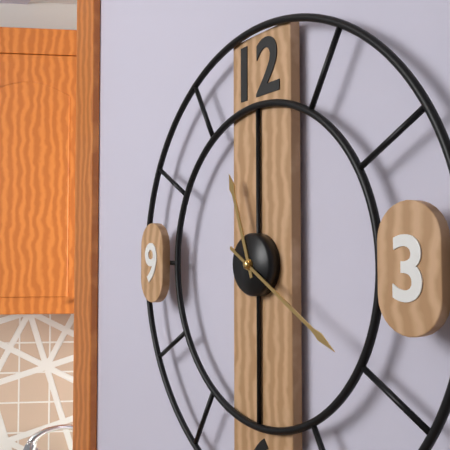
11:20
